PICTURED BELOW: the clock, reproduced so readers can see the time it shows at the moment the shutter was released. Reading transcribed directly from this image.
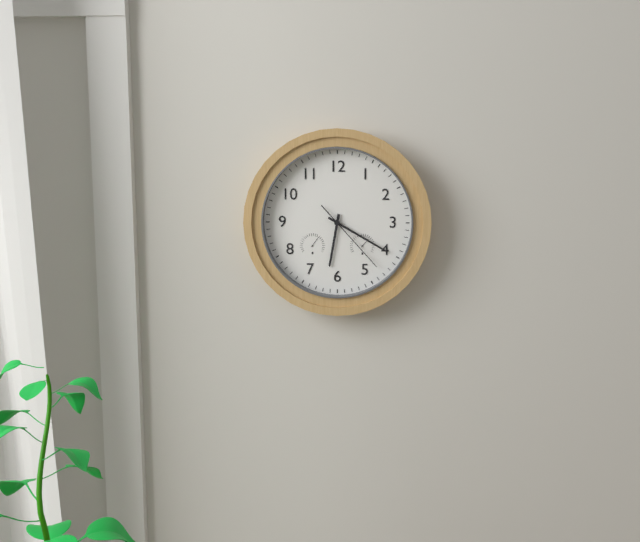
6:20:23
